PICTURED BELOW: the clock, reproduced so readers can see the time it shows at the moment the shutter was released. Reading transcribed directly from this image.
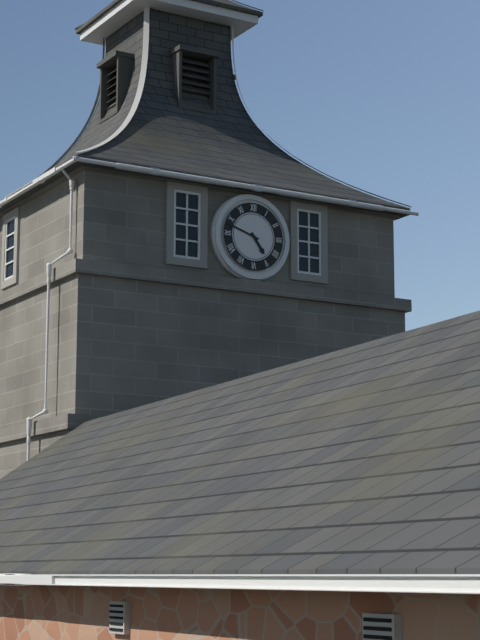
4:48
